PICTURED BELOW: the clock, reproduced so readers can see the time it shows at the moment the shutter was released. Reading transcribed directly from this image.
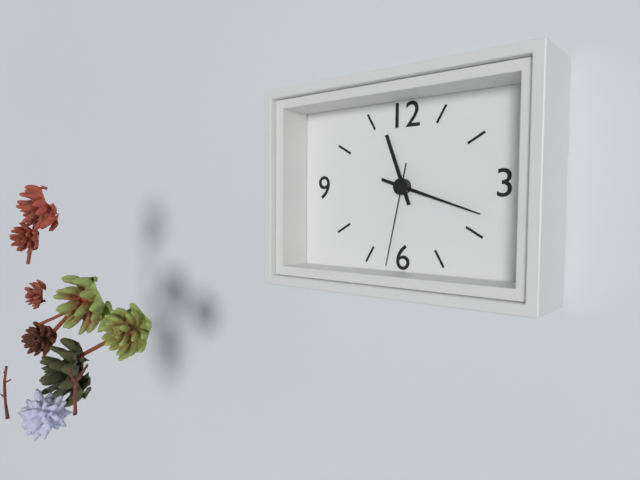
11:18:32
